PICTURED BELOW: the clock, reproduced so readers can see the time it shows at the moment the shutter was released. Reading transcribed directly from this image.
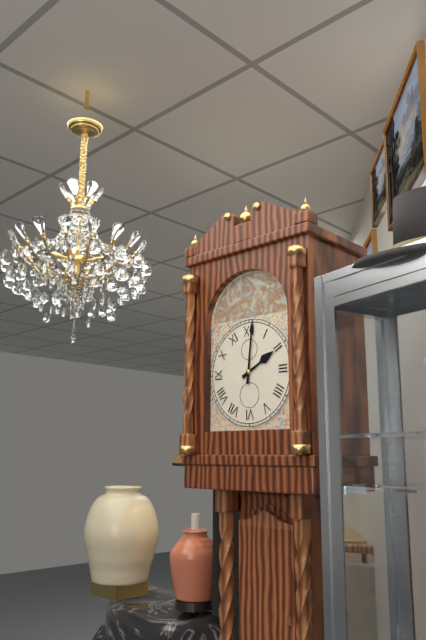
2:01
